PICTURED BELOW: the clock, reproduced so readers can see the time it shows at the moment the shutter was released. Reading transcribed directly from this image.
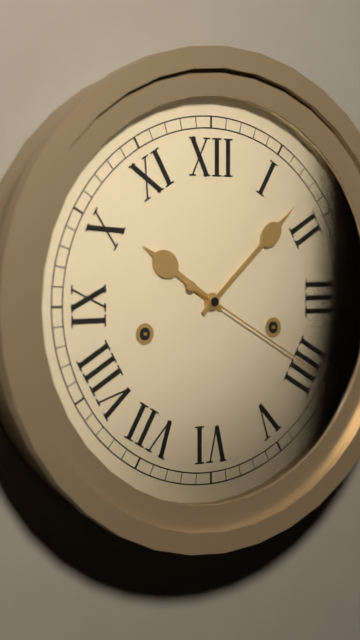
10:08:20
